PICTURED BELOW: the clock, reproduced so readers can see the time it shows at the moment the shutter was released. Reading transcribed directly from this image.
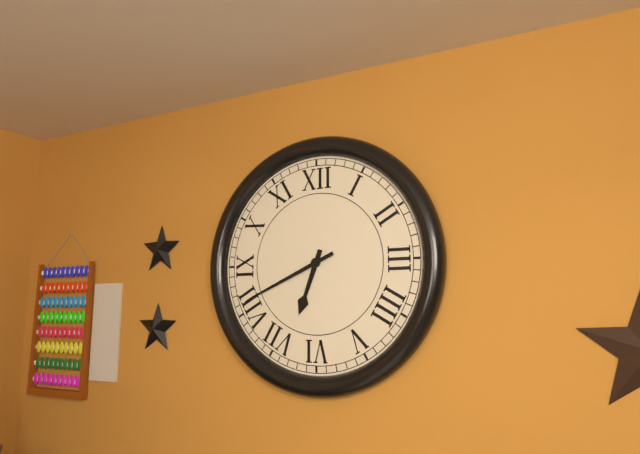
6:41
